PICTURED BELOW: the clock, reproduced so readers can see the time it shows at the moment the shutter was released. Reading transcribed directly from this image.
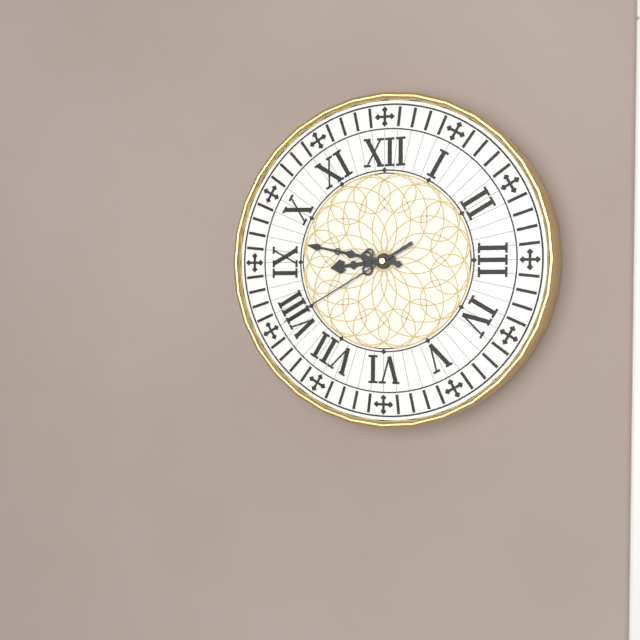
8:47:40
